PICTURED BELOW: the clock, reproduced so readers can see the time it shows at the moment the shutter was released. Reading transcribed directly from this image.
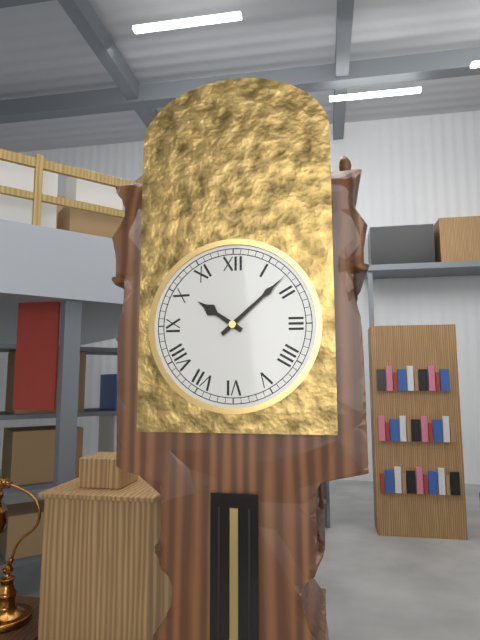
10:08
